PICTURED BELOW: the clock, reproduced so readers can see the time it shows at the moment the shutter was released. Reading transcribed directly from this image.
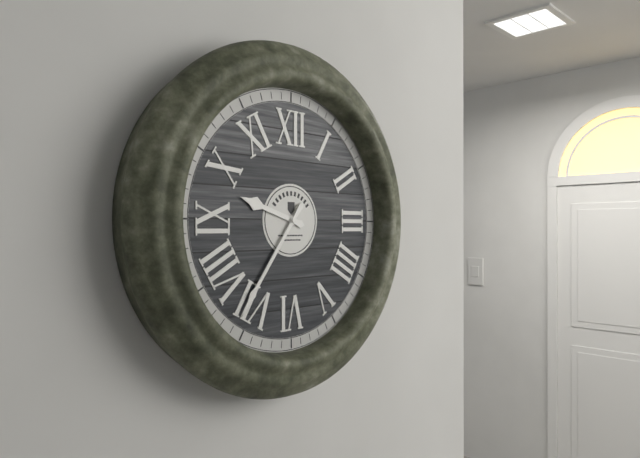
9:36
